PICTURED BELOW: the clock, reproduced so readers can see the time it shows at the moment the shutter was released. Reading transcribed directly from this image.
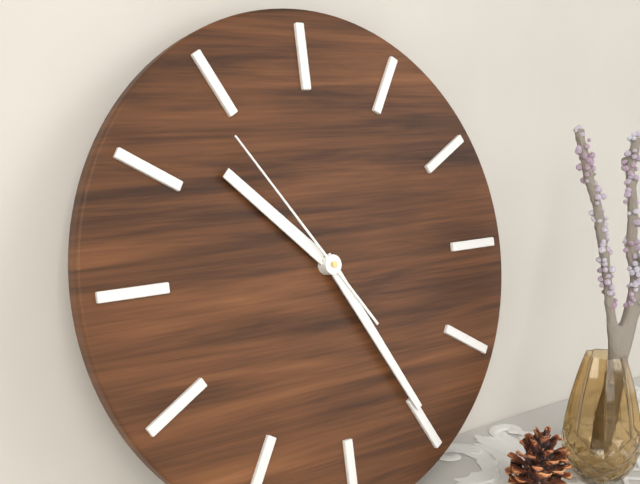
10:25:54
